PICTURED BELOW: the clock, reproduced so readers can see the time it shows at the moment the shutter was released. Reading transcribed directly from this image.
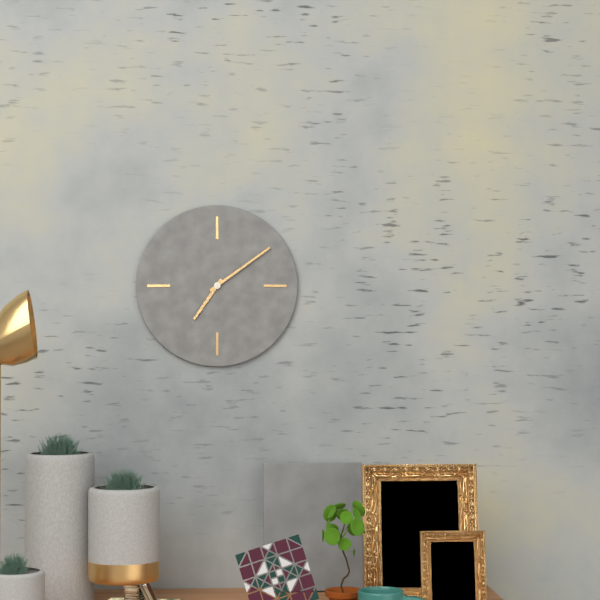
7:09
